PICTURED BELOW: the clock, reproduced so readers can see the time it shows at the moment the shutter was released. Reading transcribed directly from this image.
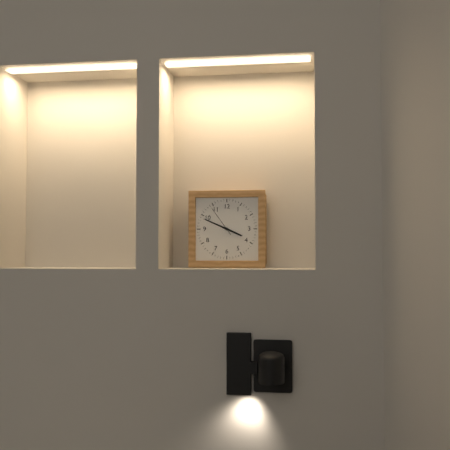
3:49
